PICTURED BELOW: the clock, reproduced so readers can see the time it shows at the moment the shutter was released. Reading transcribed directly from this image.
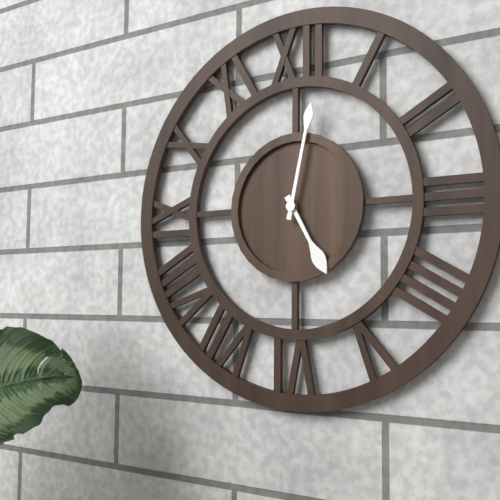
5:02
